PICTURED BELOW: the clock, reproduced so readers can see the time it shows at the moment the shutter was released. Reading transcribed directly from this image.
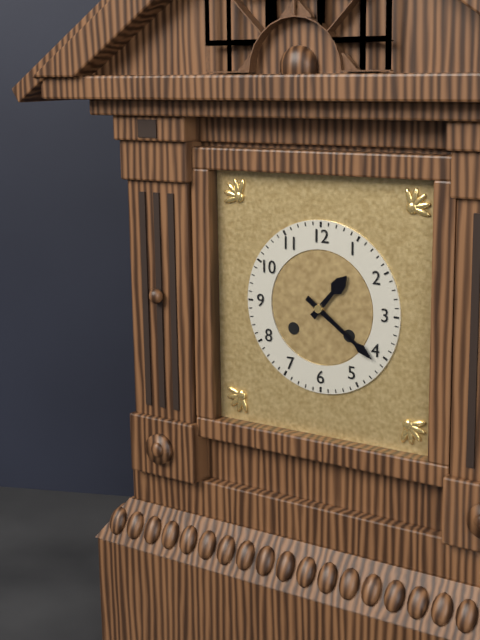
1:21
